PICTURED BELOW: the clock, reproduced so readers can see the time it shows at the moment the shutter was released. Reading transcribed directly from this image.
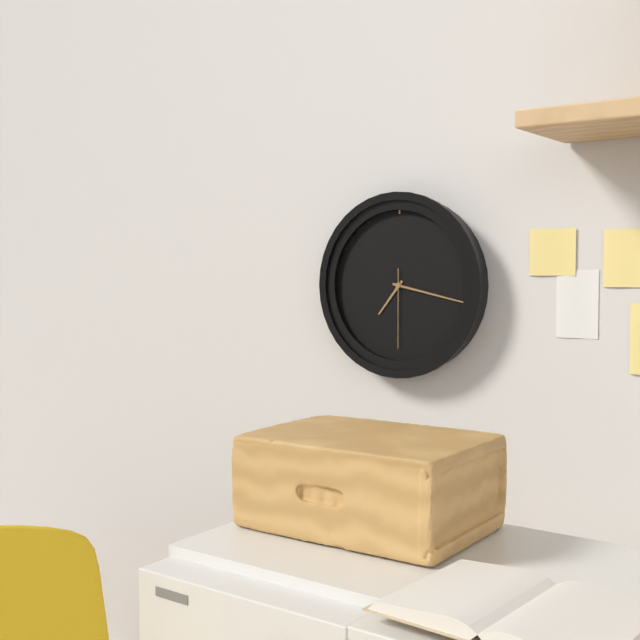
7:17:30
